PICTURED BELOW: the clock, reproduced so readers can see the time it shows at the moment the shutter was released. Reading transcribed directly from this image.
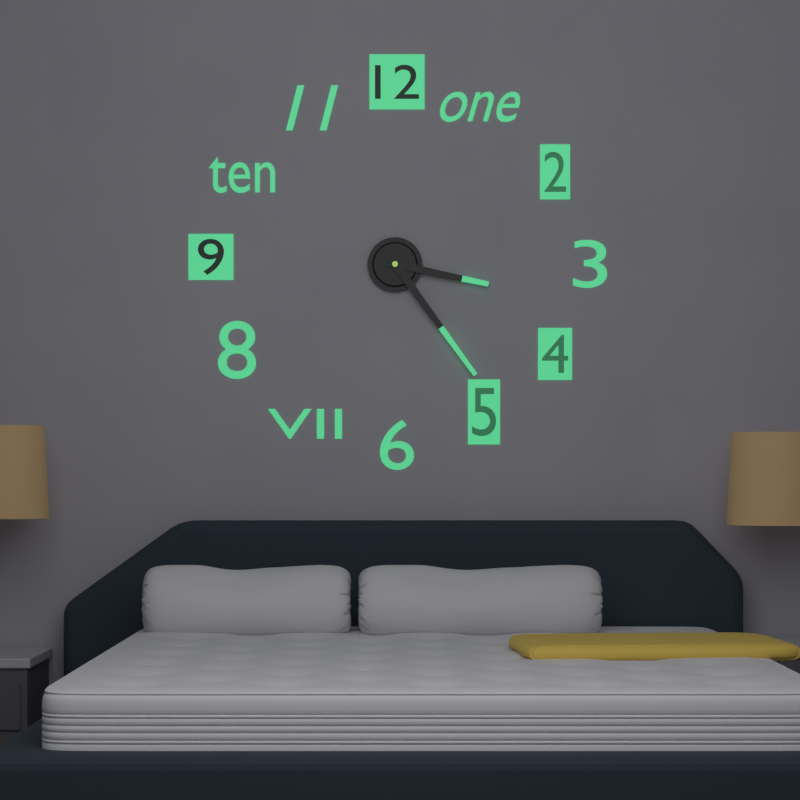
3:24
